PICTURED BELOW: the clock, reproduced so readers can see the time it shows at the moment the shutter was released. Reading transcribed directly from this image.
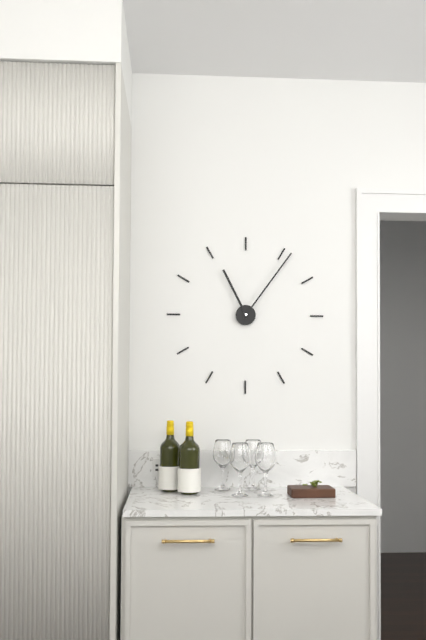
11:06
